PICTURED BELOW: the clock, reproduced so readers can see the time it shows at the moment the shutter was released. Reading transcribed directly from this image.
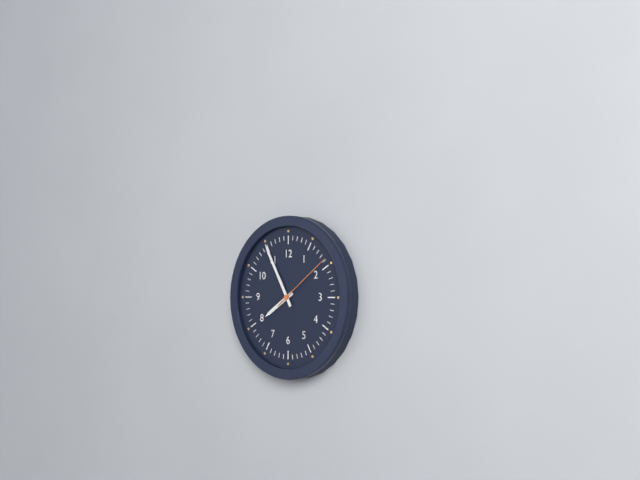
7:55:09
